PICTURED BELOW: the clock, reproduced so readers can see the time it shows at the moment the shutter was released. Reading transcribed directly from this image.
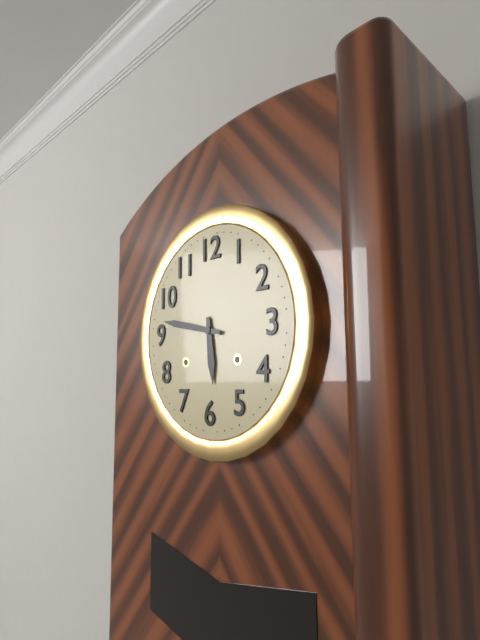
5:47
